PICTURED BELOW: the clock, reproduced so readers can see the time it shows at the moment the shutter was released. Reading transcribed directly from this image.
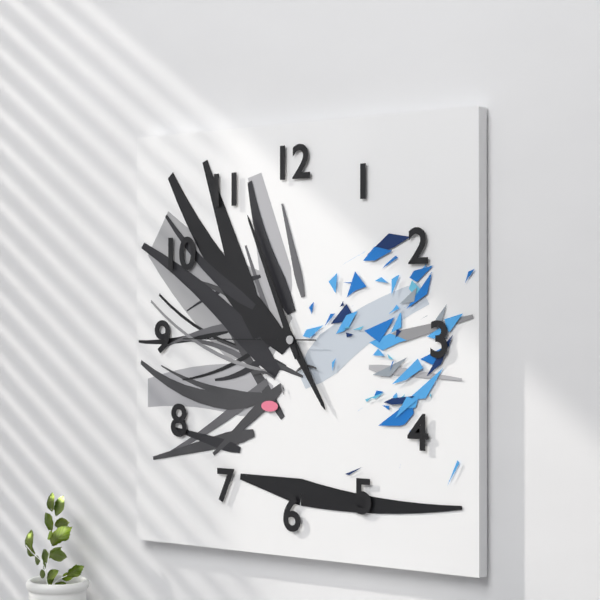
4:56:45
